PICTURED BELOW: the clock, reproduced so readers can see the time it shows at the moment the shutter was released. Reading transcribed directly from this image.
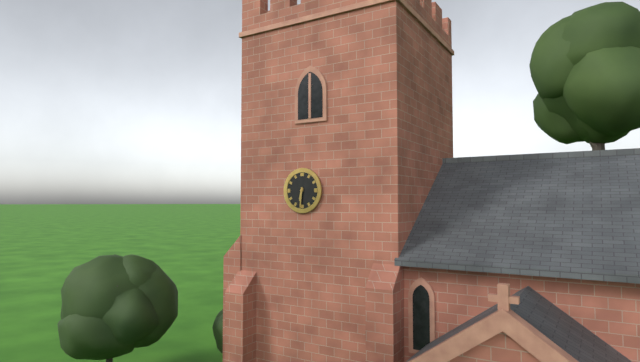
6:31
